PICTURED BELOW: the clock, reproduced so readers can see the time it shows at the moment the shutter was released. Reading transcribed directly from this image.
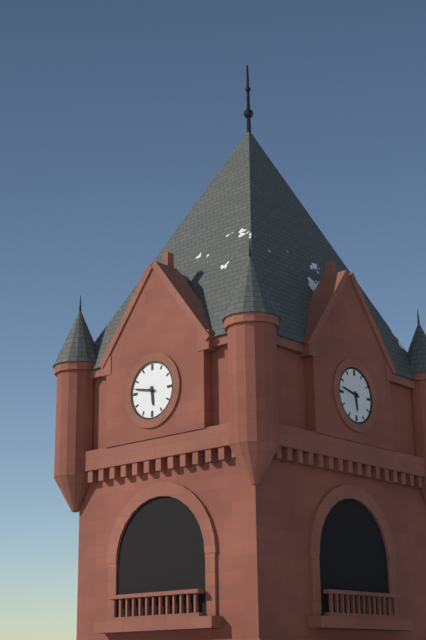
5:47
